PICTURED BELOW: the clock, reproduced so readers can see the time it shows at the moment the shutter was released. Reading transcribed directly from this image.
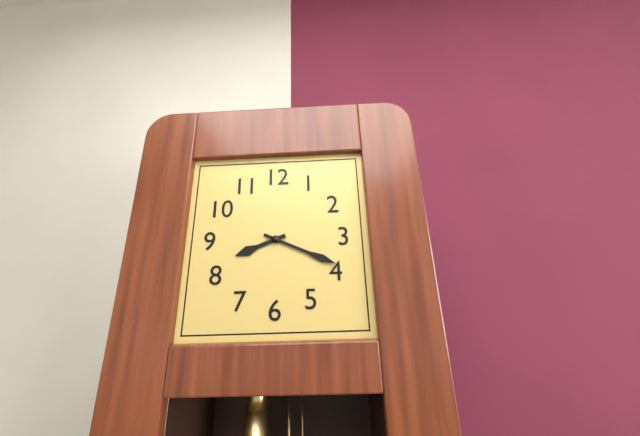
8:19
